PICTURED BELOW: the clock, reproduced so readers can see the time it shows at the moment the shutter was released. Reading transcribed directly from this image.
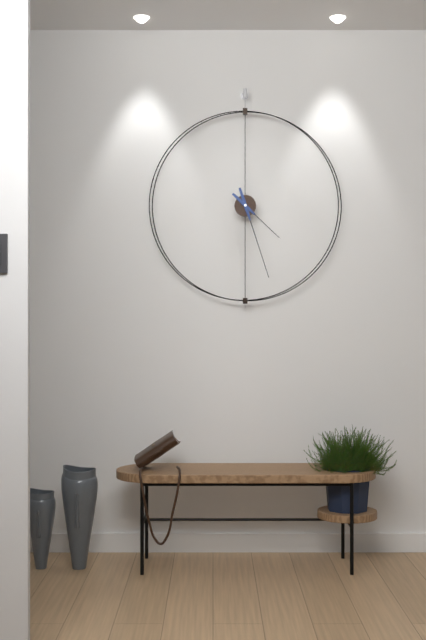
4:27
